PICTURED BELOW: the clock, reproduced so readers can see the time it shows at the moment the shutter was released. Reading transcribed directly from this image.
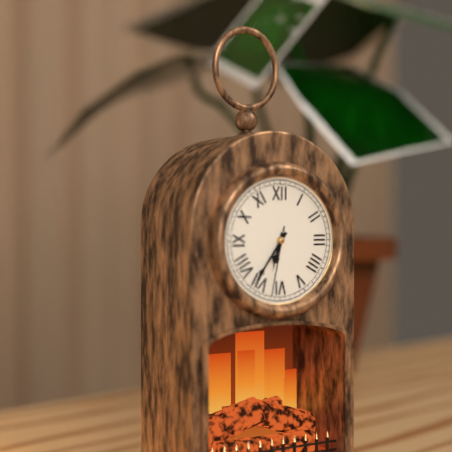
6:36:32
